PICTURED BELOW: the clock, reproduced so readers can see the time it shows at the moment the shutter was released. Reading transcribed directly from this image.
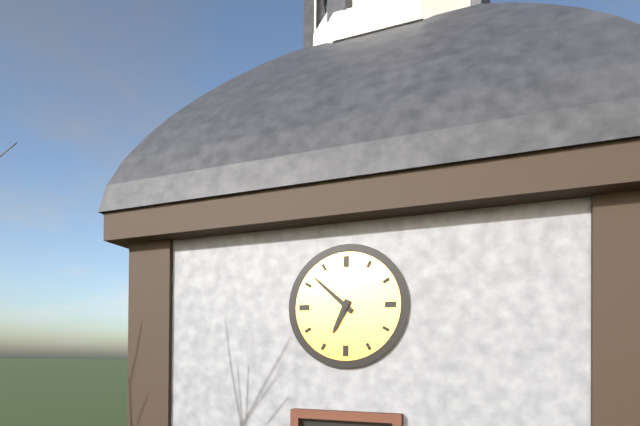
6:52
